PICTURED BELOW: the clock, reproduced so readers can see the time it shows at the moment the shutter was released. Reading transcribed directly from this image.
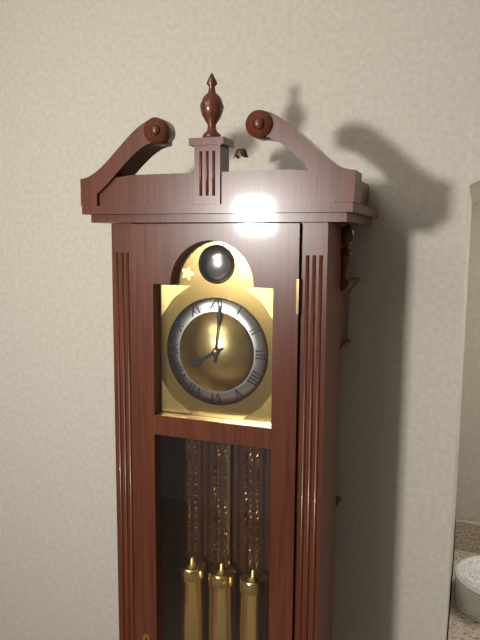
8:01
